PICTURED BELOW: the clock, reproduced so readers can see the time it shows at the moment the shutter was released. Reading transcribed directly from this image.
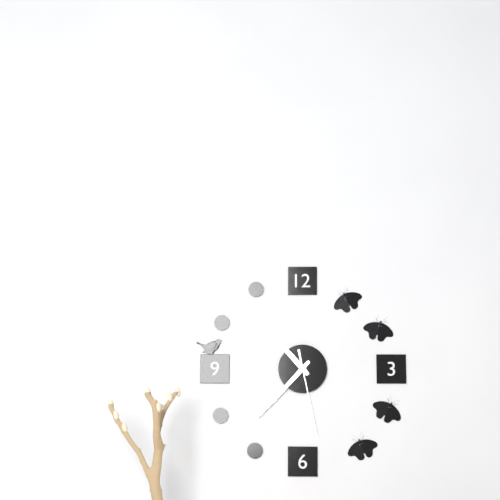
10:37:28
